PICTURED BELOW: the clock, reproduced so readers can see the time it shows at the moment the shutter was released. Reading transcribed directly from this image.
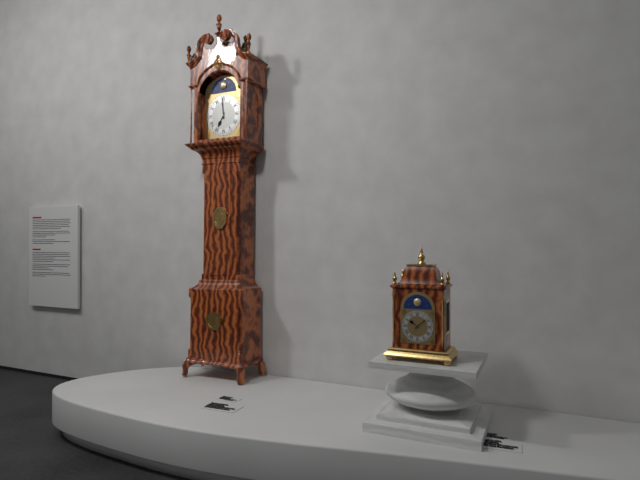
6:59
